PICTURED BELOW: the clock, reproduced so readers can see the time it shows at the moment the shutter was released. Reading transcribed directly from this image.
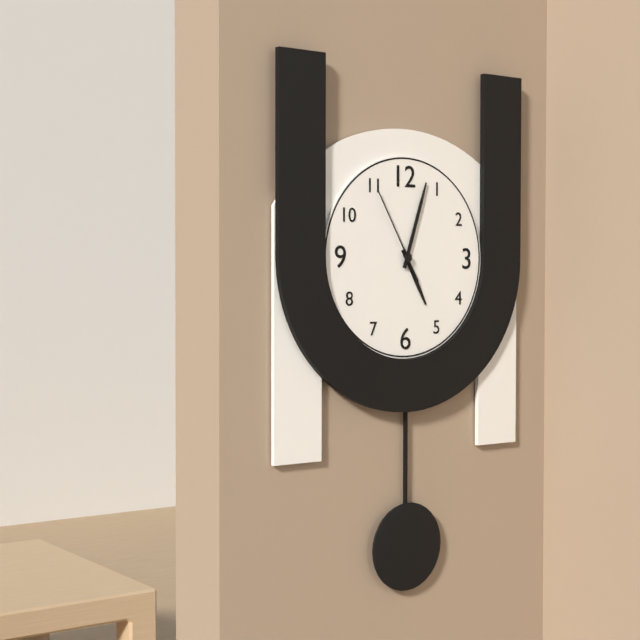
5:03:55
